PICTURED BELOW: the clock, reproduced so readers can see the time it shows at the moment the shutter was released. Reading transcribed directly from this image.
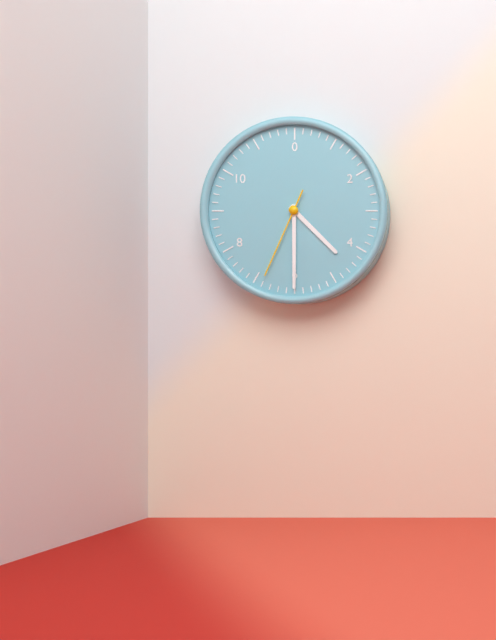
4:30:34
